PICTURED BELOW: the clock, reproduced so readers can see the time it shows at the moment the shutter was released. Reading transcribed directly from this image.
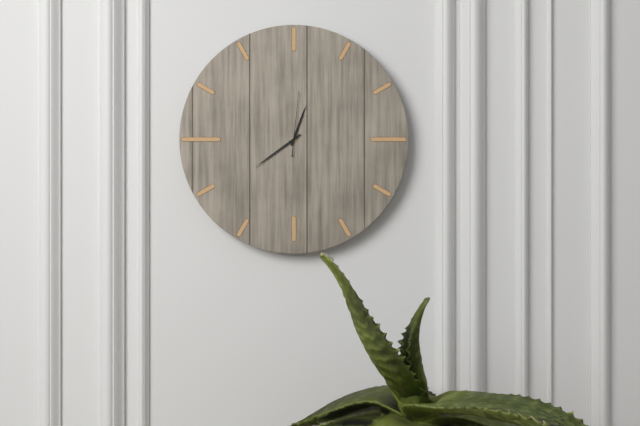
12:39:01
